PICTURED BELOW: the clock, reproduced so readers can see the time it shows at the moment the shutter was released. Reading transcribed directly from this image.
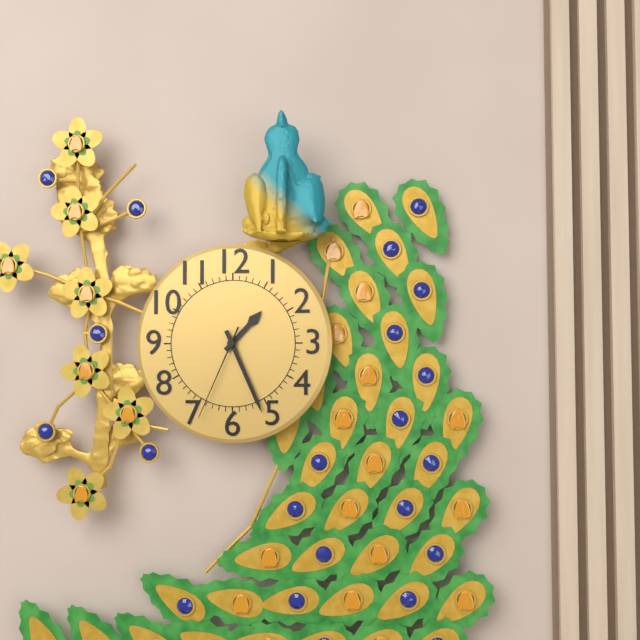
1:26:34
